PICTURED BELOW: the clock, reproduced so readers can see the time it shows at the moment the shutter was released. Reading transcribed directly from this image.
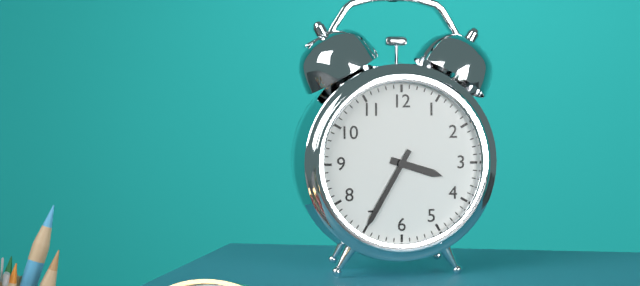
3:35
